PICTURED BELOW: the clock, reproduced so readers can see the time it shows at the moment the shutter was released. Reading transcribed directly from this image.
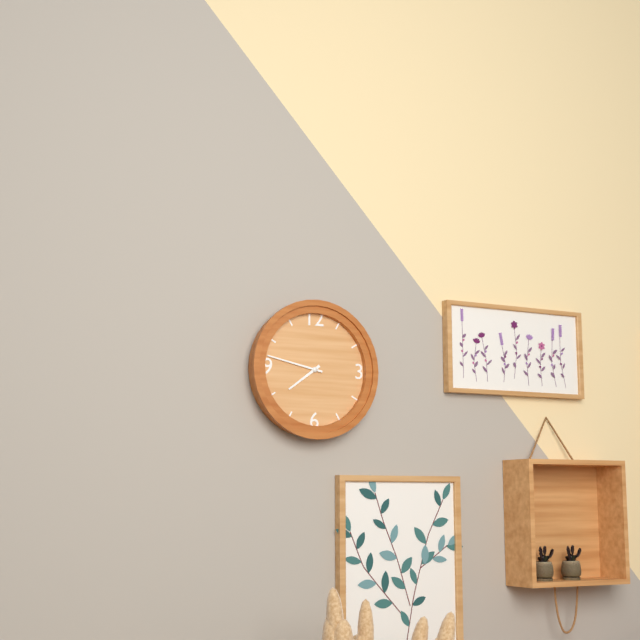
7:47
